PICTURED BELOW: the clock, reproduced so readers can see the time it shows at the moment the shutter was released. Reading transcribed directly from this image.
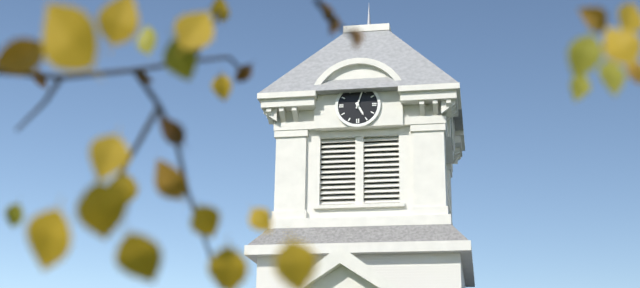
5:03
